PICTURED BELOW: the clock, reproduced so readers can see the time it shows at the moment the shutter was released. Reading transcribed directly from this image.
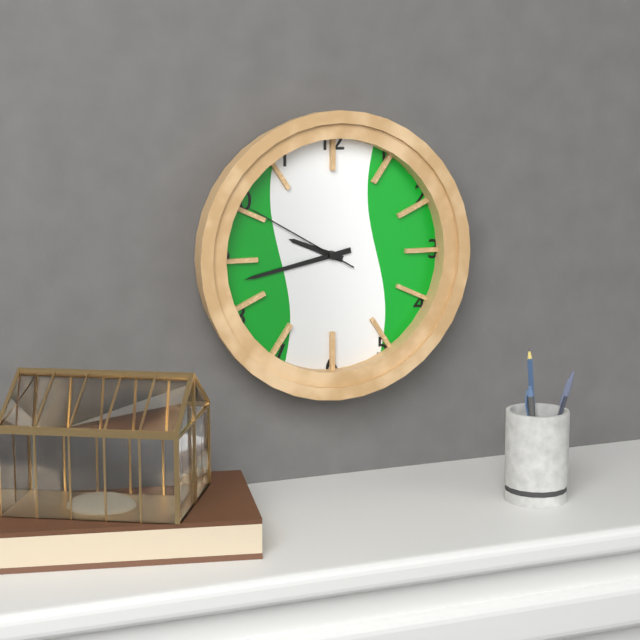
9:43:50
